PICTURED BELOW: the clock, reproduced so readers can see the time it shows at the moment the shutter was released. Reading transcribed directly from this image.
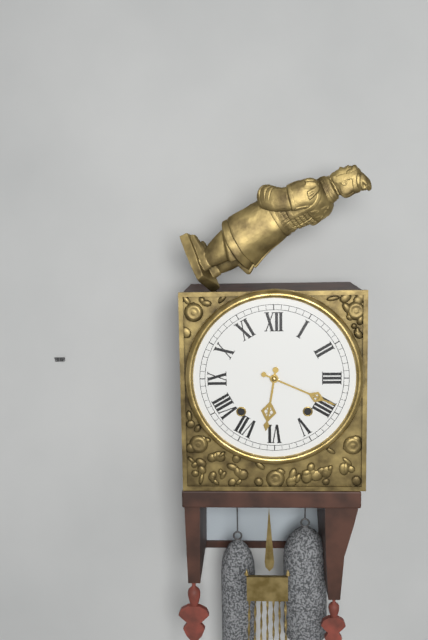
6:19
